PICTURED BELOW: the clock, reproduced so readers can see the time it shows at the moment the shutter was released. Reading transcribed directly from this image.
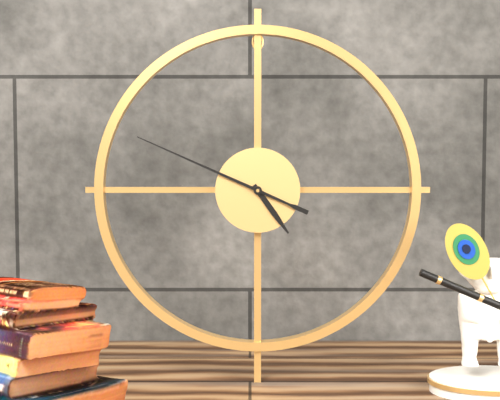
4:49
